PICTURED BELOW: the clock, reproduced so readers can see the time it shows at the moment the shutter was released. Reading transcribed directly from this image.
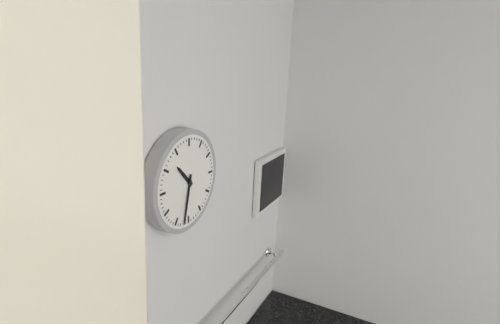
10:32
